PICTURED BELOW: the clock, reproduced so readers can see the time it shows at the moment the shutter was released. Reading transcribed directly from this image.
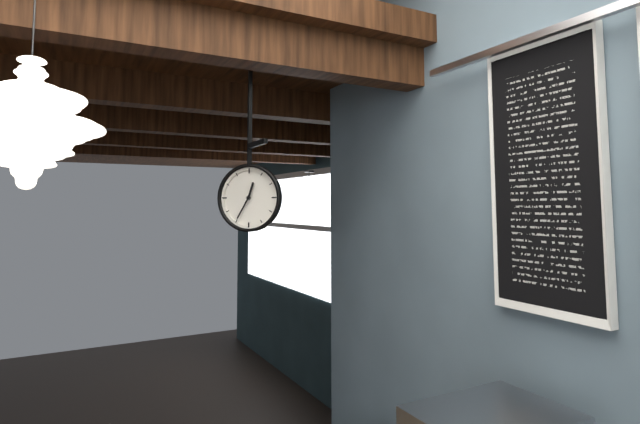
12:35
